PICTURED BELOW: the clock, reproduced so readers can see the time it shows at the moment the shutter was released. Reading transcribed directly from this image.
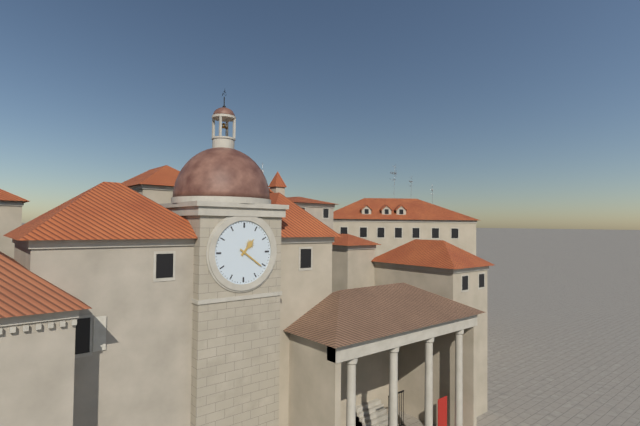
1:21
